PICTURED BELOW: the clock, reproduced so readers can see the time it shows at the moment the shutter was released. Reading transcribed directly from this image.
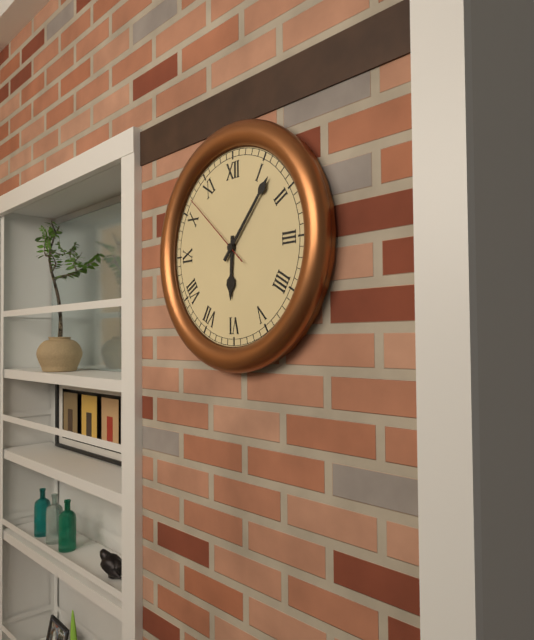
6:07:52
